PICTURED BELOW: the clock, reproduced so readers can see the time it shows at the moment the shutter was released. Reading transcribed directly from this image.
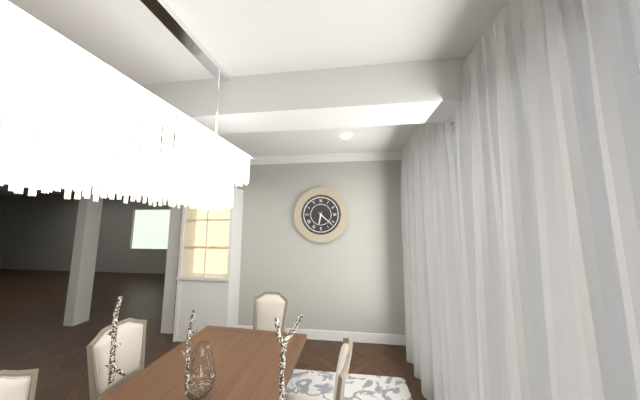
6:22
